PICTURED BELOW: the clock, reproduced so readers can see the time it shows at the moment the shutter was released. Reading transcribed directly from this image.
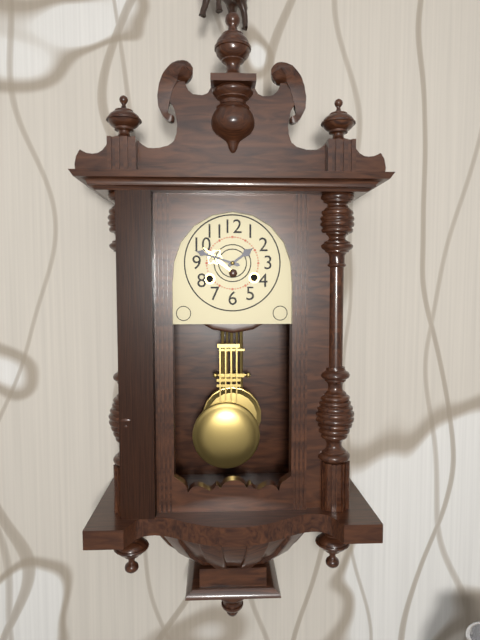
1:48
